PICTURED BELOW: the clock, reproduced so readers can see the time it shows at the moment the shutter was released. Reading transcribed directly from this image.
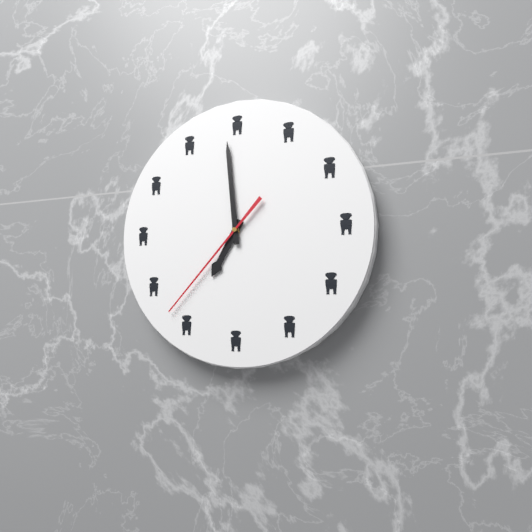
6:59:37
